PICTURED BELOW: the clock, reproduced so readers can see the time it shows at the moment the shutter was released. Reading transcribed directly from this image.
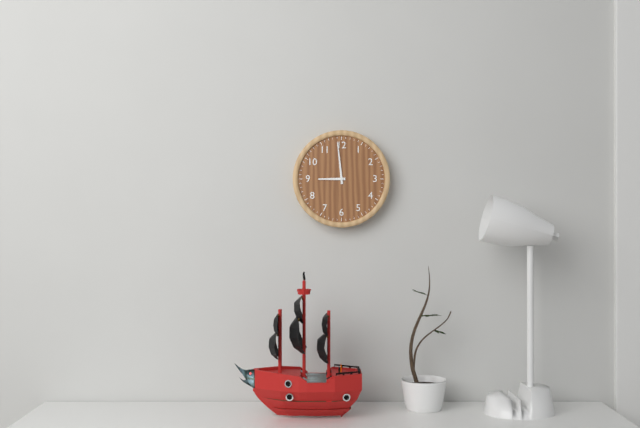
8:59
